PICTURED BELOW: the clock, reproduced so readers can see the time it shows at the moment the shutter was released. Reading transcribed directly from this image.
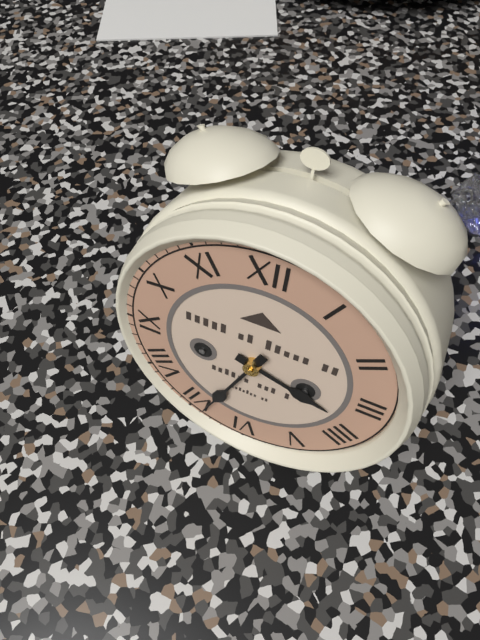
3:34
